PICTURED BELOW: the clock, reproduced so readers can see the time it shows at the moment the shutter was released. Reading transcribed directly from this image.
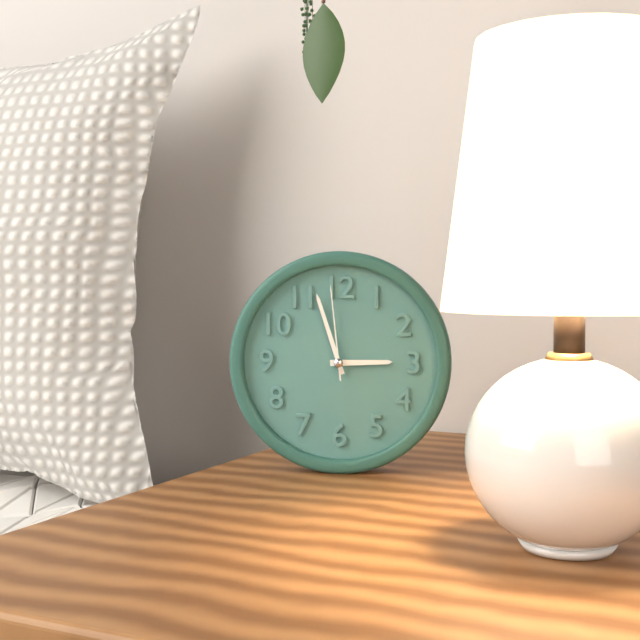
2:57:59
